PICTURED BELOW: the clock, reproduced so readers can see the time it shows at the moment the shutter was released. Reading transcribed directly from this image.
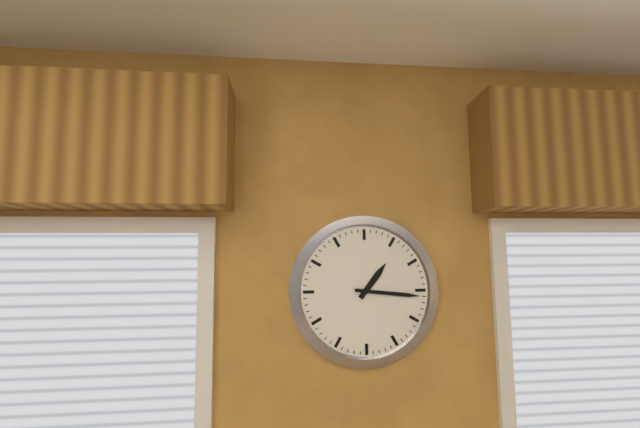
1:16
